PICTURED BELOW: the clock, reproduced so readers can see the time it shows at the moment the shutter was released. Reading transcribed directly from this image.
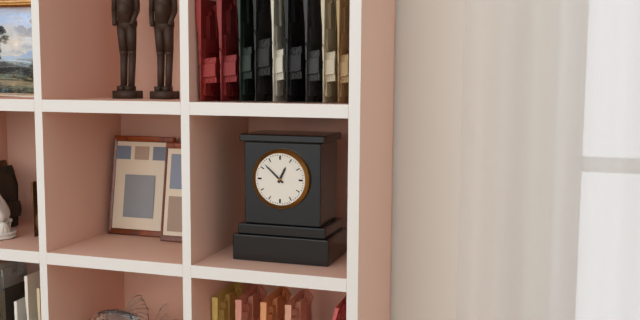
12:52
